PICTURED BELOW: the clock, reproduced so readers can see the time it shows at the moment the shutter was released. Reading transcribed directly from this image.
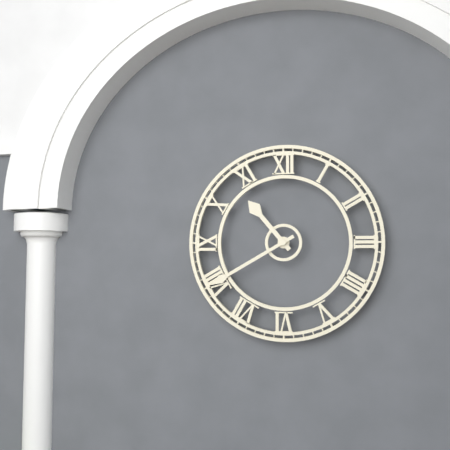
10:40
